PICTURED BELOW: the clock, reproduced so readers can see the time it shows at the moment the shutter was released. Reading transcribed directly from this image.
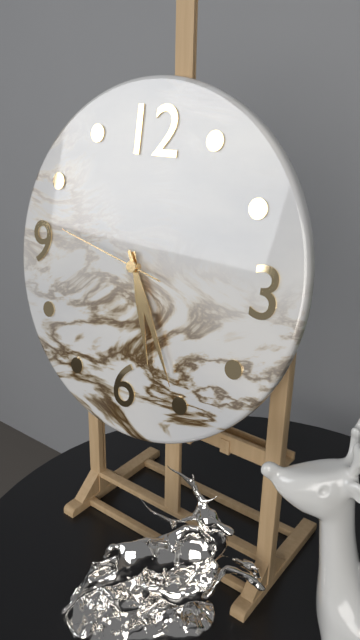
5:25:47
